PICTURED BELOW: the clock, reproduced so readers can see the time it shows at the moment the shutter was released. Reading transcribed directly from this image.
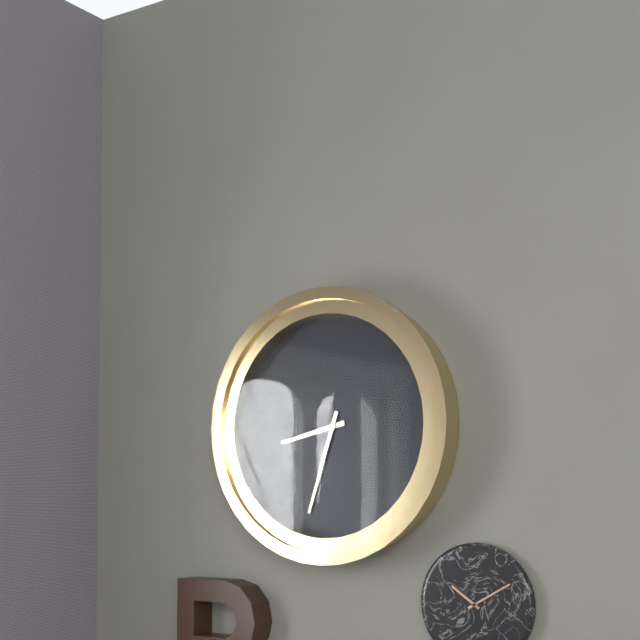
8:33
